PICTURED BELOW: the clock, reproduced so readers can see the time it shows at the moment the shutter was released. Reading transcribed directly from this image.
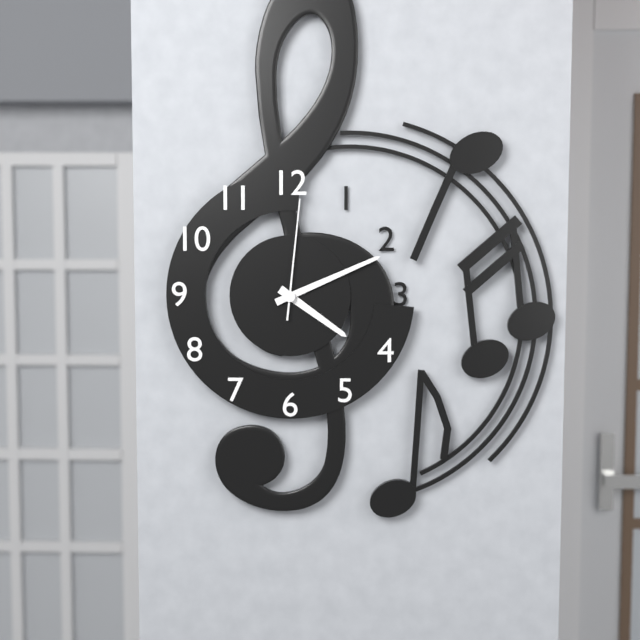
4:11:01
